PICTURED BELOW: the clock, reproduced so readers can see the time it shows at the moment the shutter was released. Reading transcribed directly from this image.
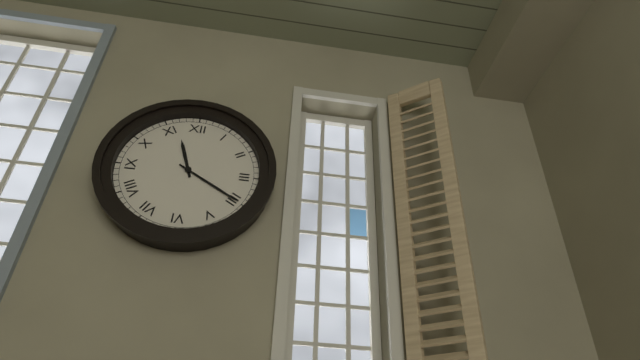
11:20
